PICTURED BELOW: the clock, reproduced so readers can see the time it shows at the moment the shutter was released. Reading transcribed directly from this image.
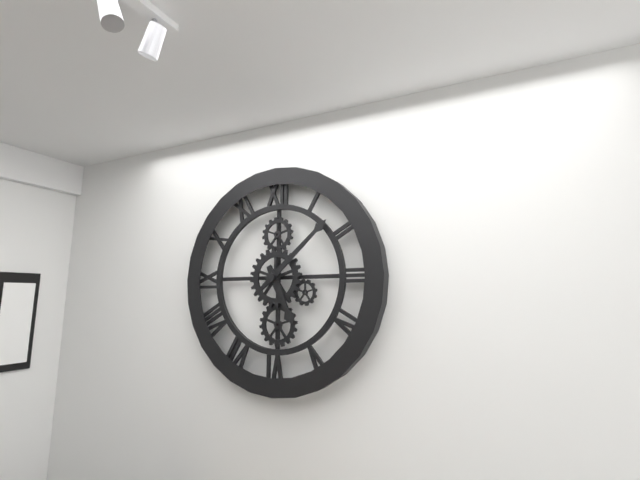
5:08
